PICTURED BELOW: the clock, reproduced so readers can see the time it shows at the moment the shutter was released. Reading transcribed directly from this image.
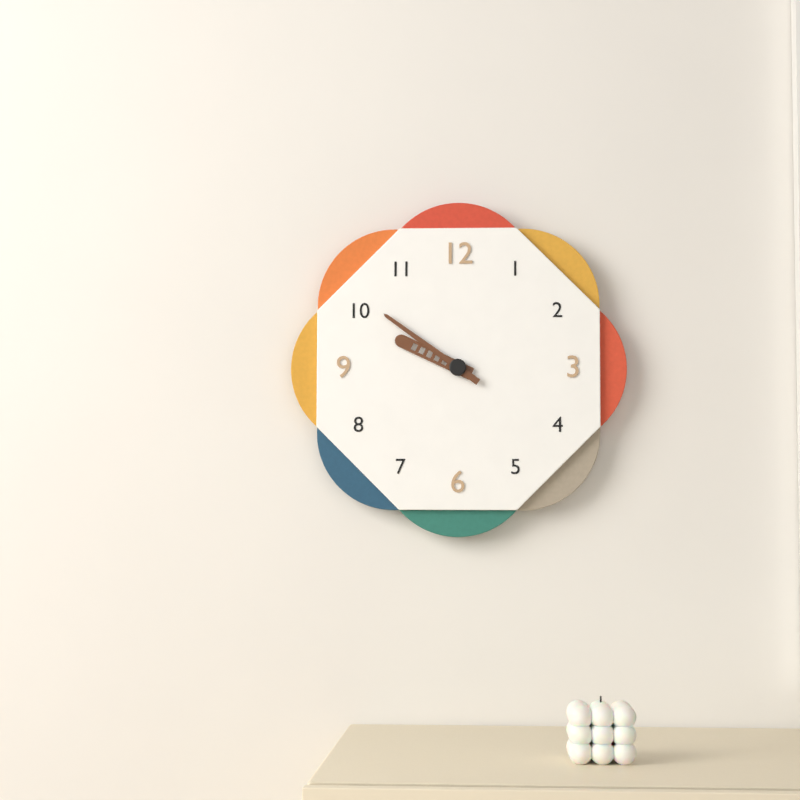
9:51
